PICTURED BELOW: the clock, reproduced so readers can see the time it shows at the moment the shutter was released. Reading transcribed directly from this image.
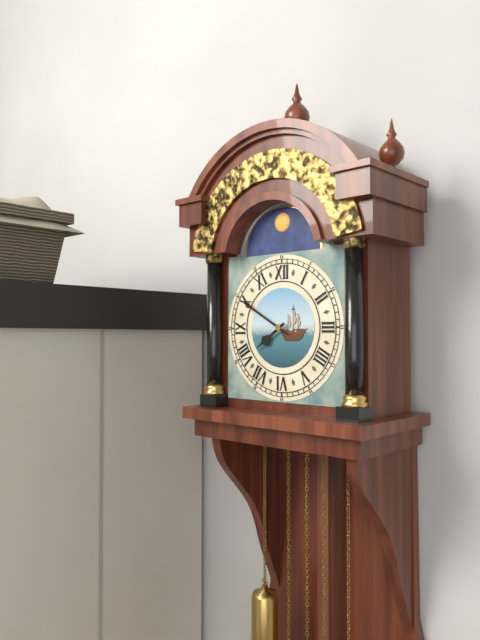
7:50
